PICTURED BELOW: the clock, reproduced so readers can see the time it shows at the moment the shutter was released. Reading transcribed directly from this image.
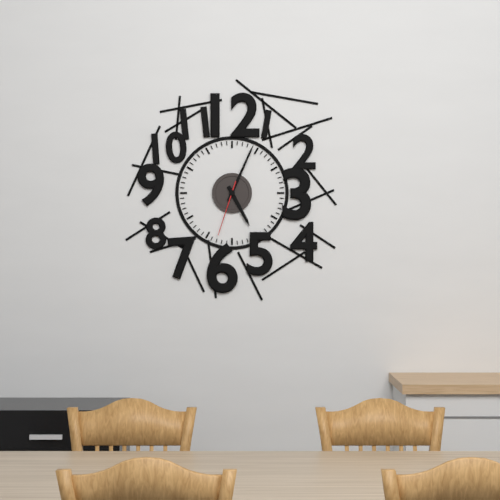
5:04:33
